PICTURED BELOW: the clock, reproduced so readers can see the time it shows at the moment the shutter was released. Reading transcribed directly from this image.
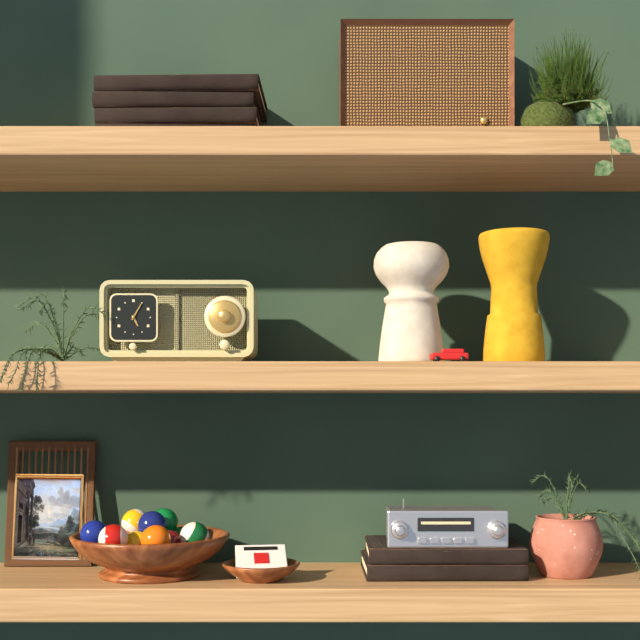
5:05
